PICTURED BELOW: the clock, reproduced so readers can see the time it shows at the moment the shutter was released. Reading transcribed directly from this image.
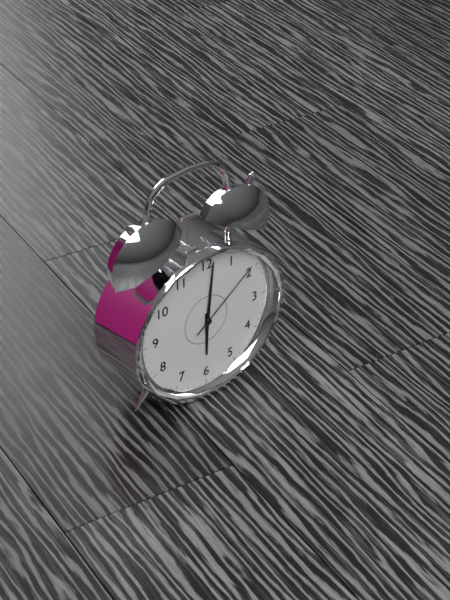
6:01:09
